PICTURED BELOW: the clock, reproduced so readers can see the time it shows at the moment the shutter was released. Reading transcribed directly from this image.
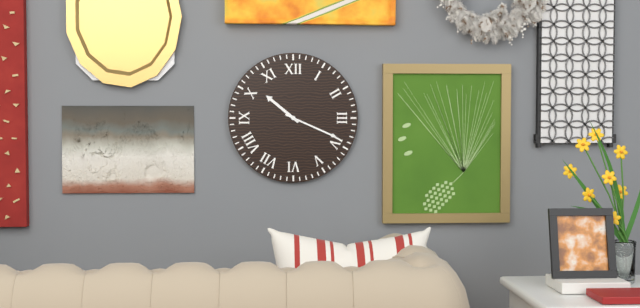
10:19
